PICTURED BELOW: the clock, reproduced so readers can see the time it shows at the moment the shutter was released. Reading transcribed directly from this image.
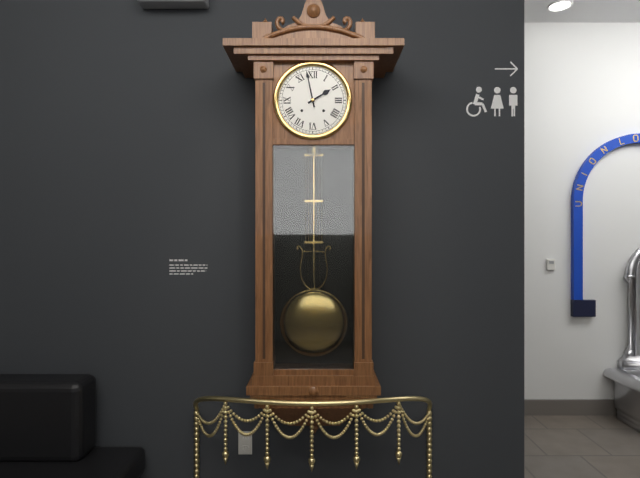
1:58
